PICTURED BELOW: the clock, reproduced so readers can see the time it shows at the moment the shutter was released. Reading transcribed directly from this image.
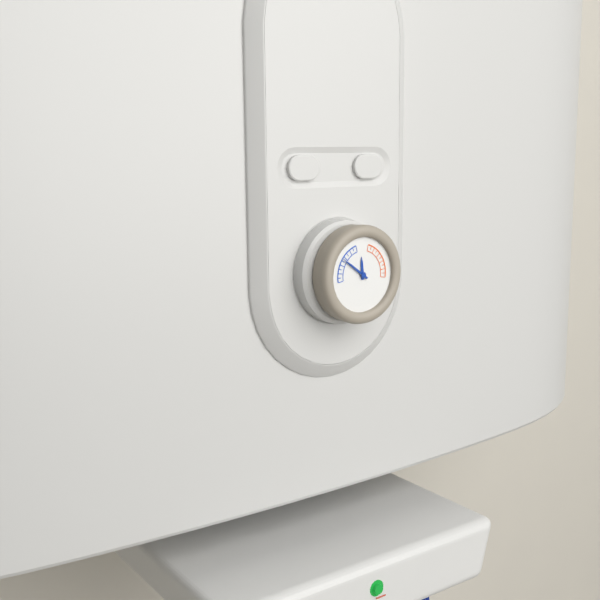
11:51
